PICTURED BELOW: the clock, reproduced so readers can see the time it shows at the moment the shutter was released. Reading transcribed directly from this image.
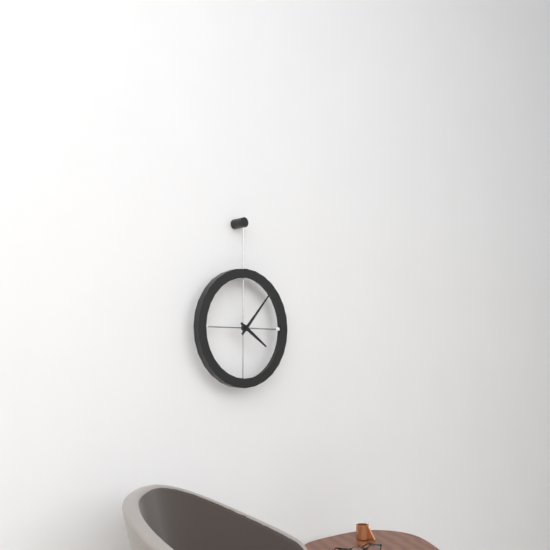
4:07
